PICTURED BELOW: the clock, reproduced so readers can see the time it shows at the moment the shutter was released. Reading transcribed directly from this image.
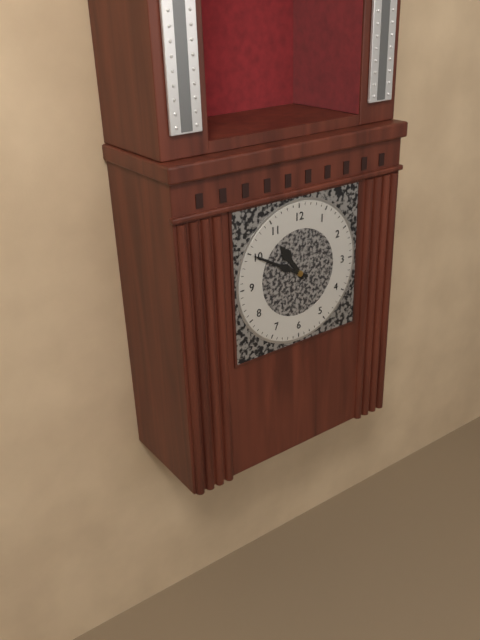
10:50
